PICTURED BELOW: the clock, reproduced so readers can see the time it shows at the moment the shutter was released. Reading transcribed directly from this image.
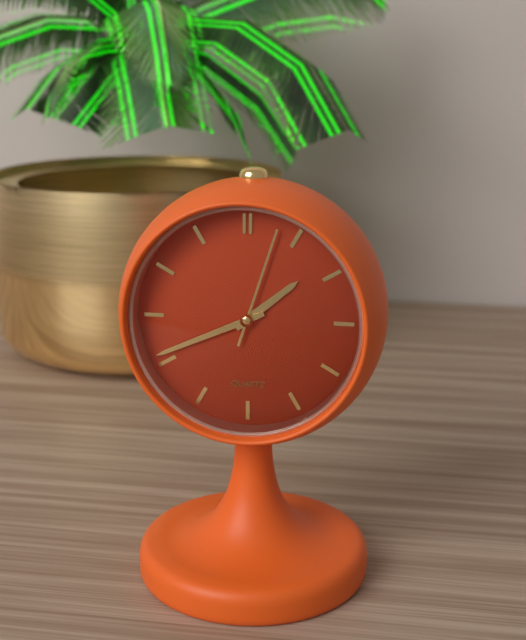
1:41:03
